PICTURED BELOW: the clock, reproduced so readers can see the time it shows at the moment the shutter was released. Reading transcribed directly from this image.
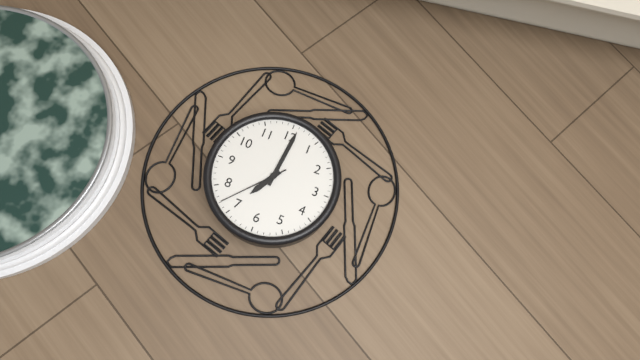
7:01:37
